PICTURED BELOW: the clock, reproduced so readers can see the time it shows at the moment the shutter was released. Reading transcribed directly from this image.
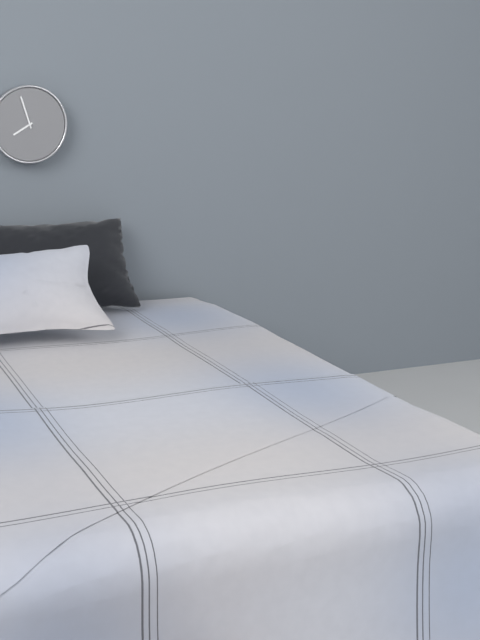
7:57
